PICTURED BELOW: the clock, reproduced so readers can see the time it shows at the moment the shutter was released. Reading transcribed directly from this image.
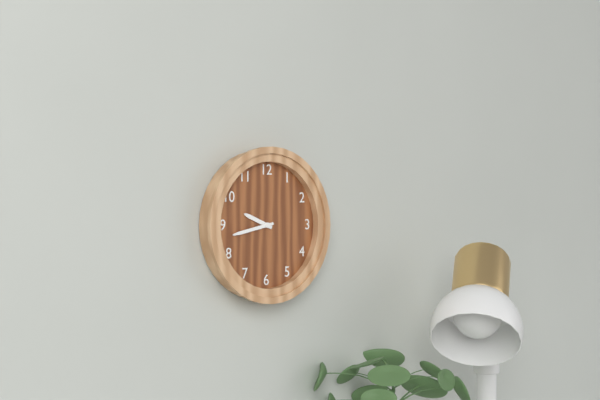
9:43
